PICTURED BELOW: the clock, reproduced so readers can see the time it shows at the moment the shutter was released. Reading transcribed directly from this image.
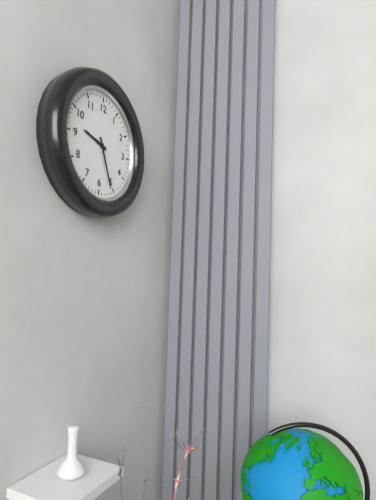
9:26
